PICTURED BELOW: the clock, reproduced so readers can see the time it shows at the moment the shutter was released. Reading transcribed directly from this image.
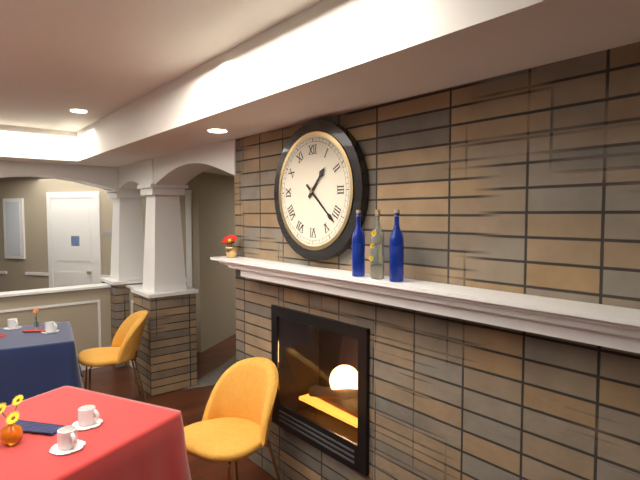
1:22
